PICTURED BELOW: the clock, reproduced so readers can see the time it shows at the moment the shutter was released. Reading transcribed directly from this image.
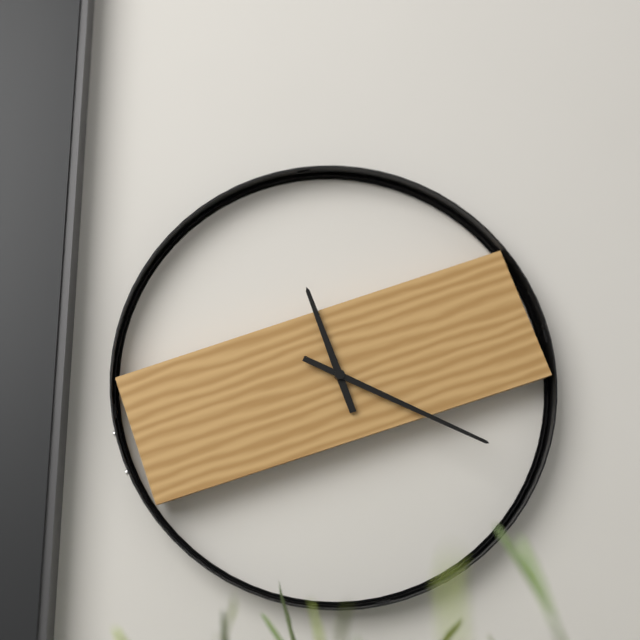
11:19
